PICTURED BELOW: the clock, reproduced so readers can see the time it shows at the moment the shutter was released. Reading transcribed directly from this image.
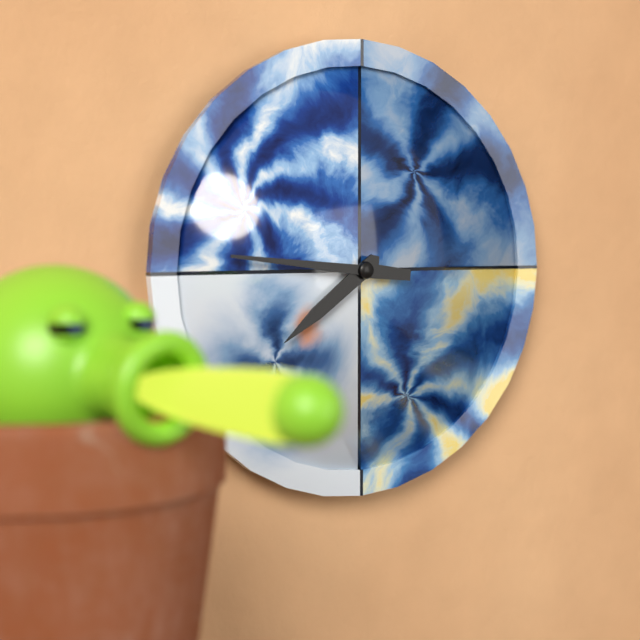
7:46
